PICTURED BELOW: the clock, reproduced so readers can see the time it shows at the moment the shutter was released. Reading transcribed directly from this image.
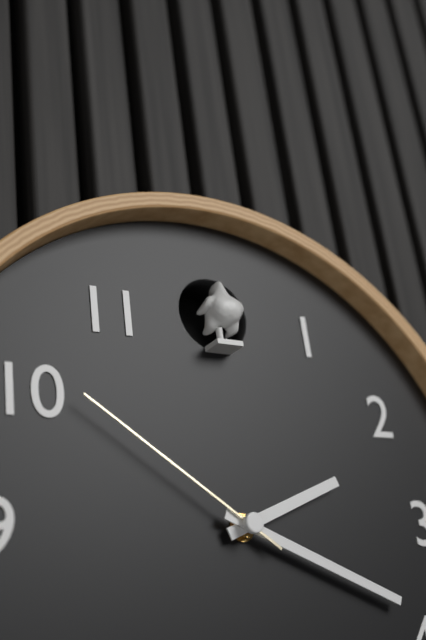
2:19:51
